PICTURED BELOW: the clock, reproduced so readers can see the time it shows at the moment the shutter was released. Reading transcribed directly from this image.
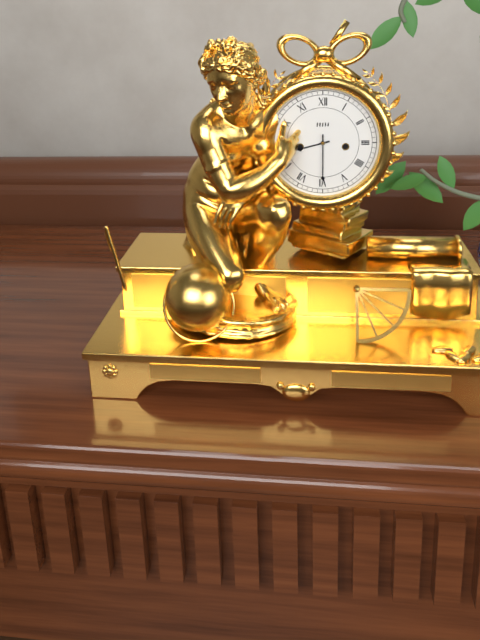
8:30
